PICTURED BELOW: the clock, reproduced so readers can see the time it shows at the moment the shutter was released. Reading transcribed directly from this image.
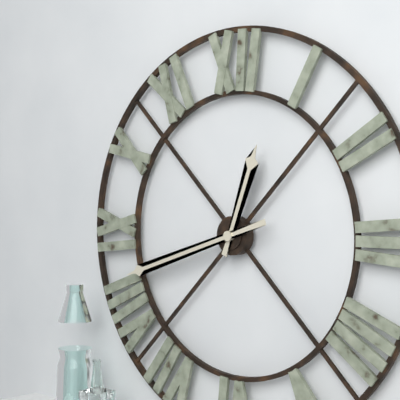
12:42
